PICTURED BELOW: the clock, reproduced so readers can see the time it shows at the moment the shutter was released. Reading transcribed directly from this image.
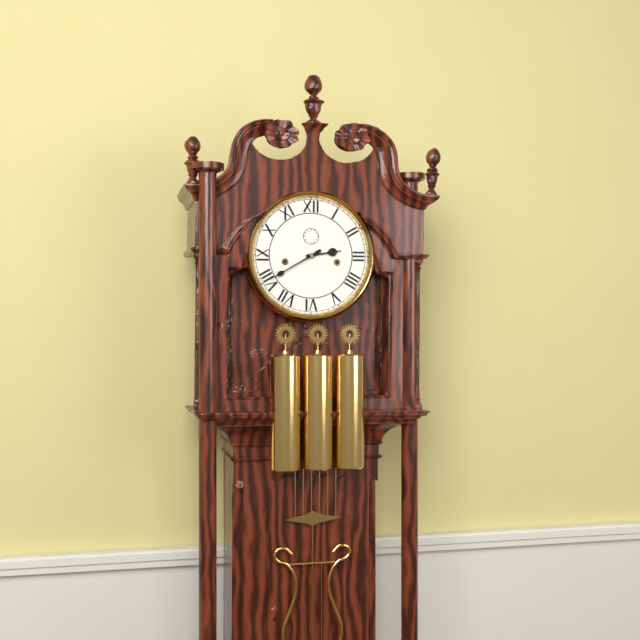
2:40
